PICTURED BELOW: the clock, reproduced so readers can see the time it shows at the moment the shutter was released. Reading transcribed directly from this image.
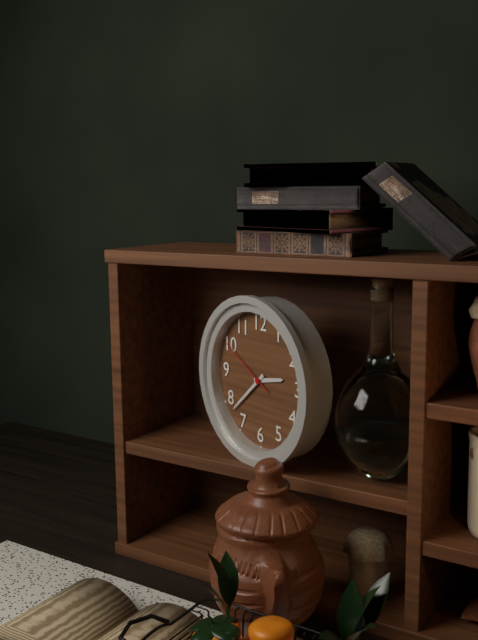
2:38:50
